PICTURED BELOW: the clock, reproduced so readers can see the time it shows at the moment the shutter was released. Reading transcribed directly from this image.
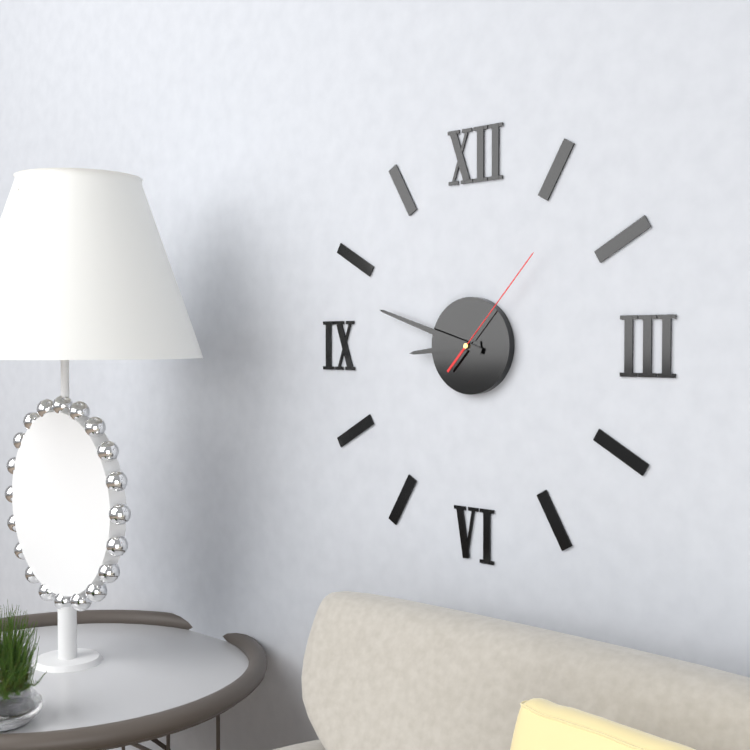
8:48:07
